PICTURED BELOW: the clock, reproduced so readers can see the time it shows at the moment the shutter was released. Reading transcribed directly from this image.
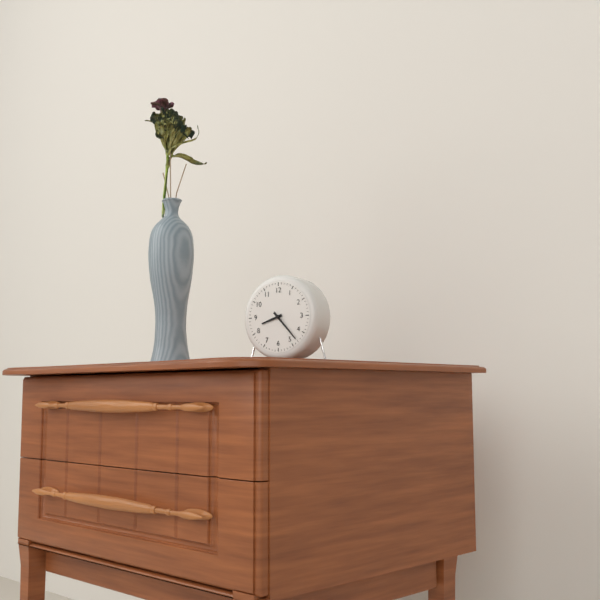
8:23
